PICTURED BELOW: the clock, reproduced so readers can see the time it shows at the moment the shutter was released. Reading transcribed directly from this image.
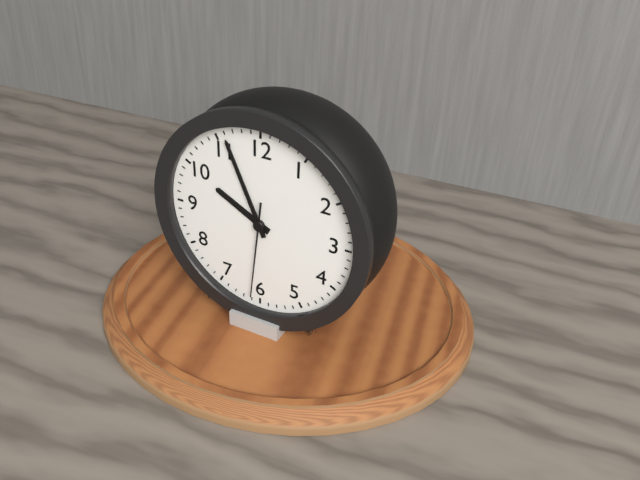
9:56:31
